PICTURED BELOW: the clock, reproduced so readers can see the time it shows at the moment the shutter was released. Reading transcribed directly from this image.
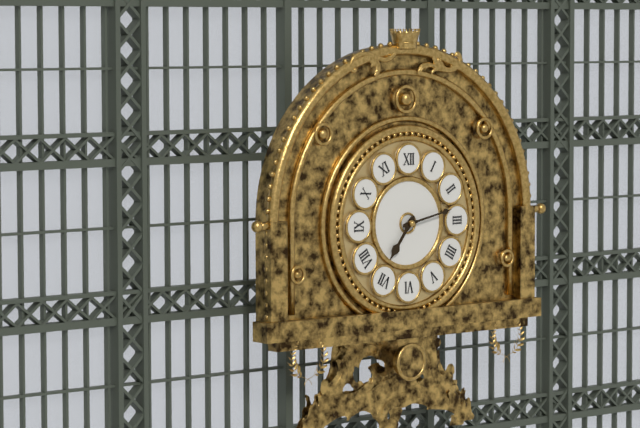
7:13
